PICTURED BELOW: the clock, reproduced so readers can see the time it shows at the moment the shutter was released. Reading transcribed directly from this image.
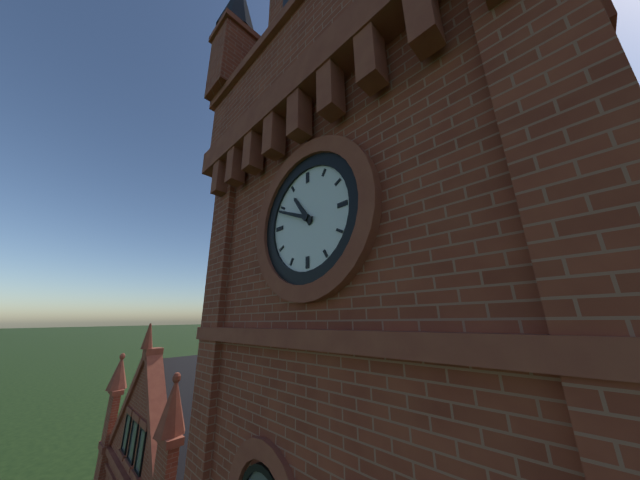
10:49
